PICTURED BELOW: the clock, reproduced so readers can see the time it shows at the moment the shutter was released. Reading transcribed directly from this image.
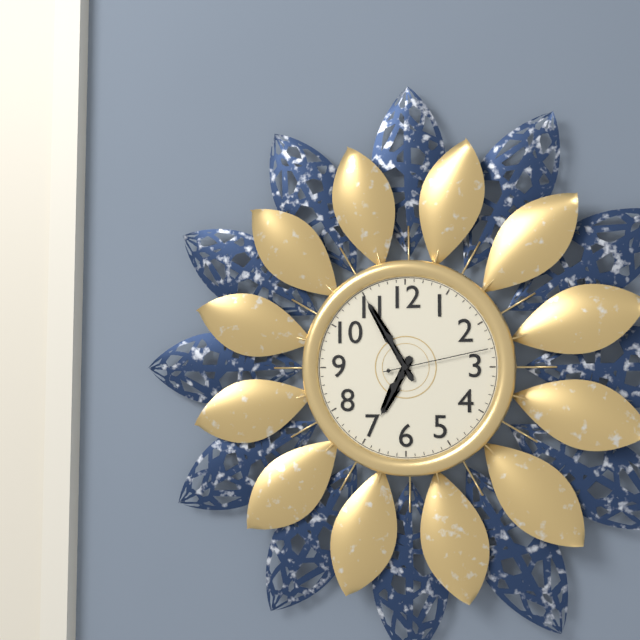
6:55:13
